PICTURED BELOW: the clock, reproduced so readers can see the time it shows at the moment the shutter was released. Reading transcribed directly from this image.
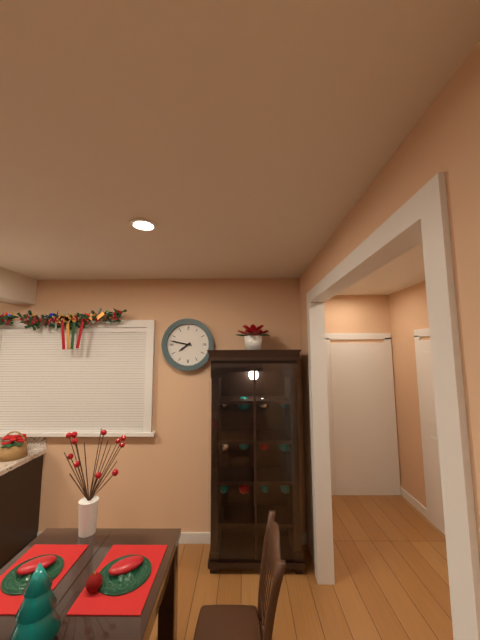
7:47
